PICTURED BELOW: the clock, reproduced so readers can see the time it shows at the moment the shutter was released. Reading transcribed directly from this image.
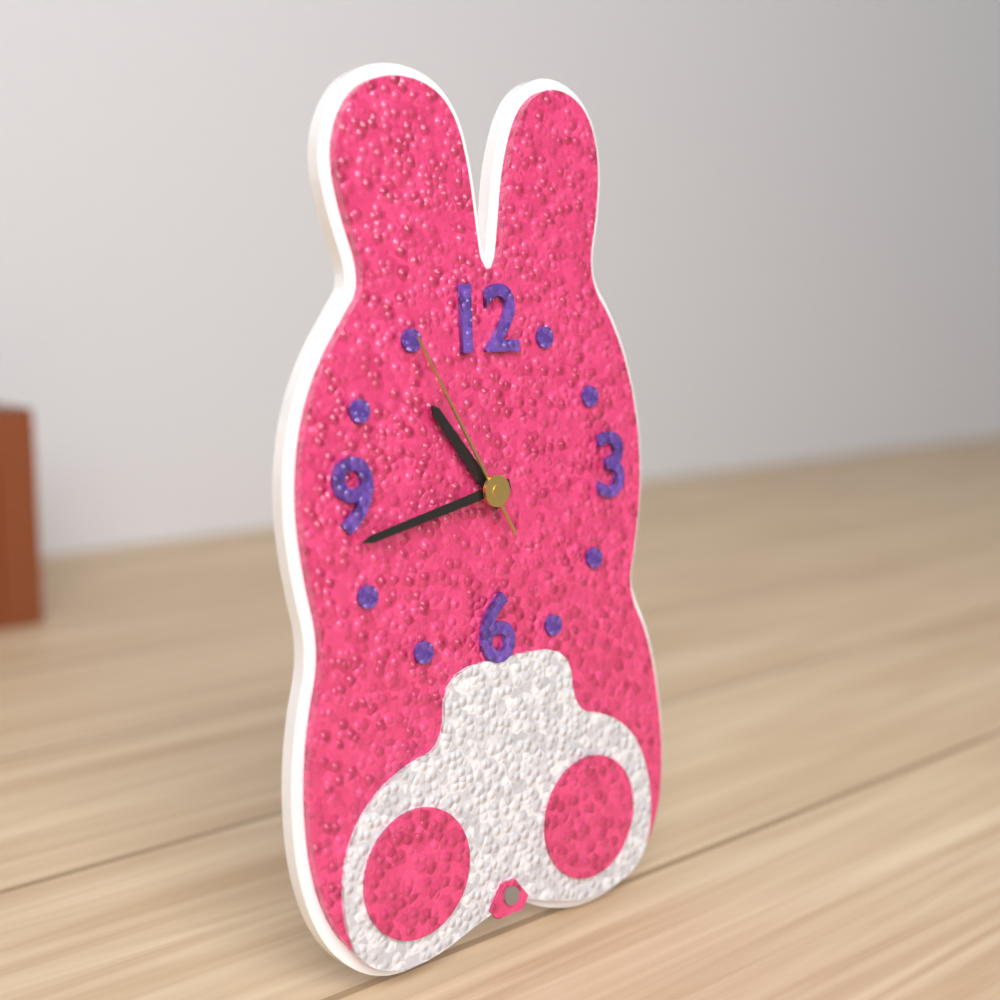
10:43:55
